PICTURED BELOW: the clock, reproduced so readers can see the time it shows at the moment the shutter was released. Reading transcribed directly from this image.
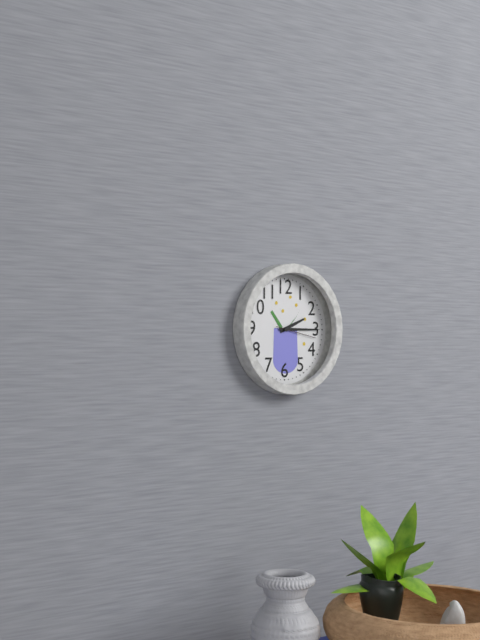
2:15
